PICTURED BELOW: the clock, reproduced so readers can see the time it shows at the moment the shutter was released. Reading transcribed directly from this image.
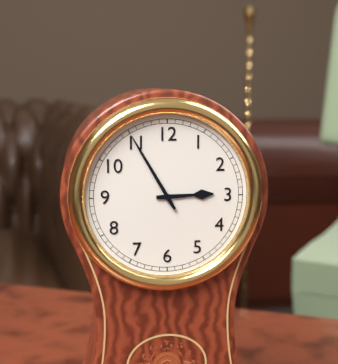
2:55
